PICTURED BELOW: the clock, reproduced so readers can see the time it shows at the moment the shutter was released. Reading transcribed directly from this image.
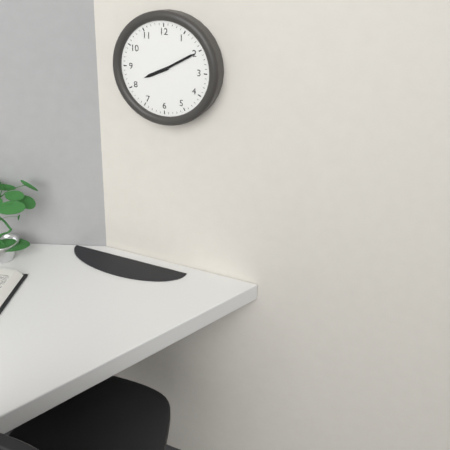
8:10
